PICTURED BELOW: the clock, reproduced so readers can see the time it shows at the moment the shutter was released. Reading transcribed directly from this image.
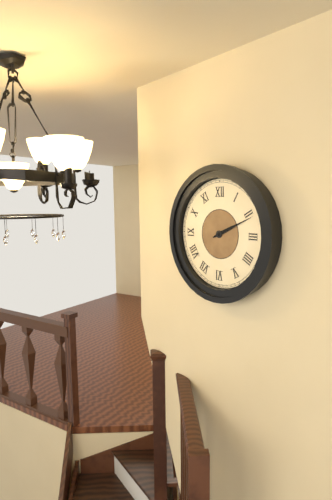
2:11
